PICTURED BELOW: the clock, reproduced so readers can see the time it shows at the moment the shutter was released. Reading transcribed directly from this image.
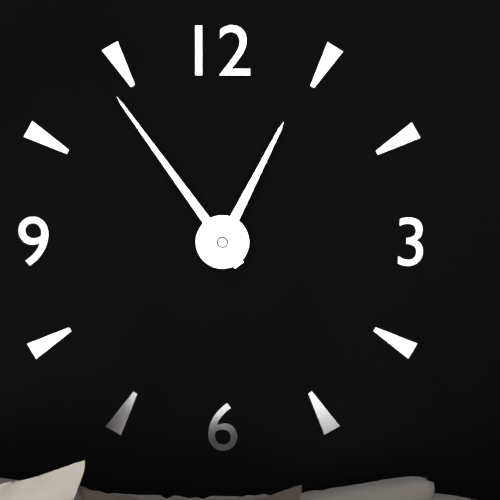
12:54
